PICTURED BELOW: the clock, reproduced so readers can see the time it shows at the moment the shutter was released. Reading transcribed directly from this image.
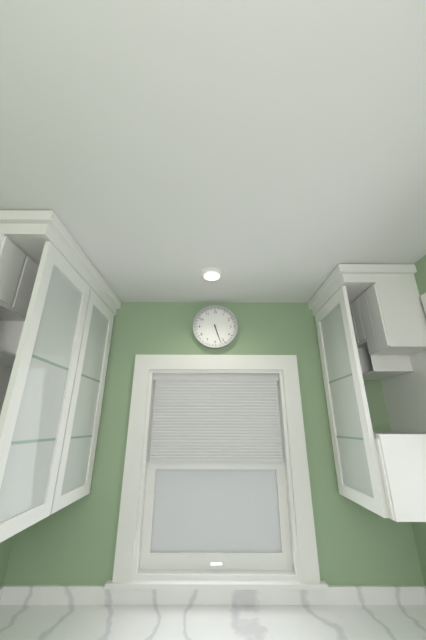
5:27
